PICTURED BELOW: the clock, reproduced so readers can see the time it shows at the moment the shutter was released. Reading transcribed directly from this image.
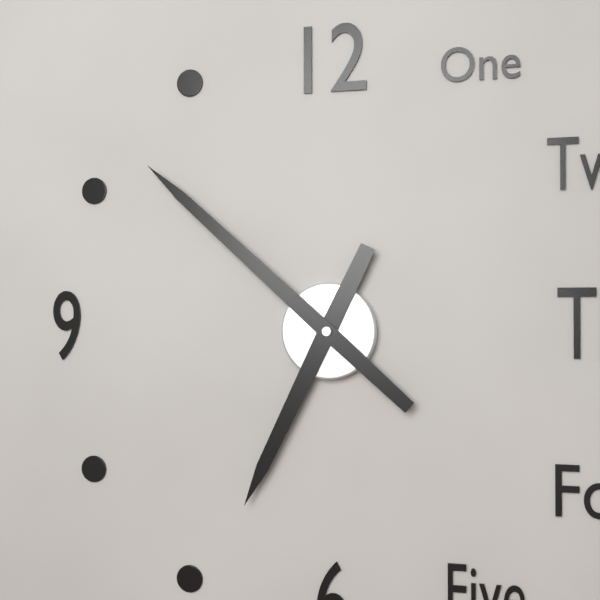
6:52
